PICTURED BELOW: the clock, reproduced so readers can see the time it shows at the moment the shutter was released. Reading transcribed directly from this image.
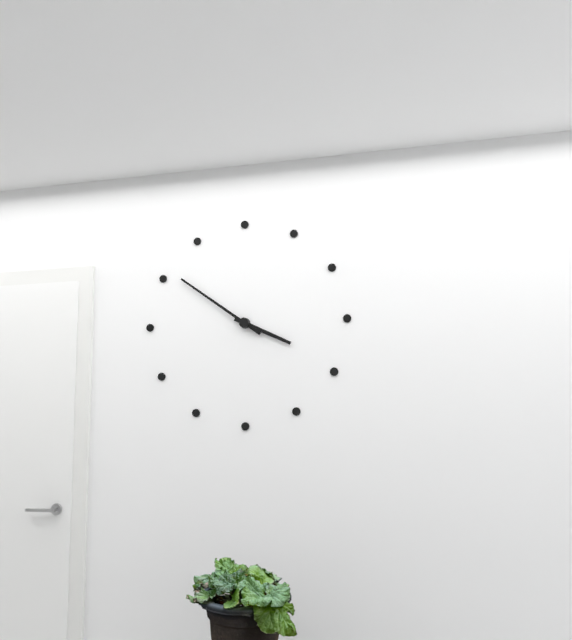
3:51
